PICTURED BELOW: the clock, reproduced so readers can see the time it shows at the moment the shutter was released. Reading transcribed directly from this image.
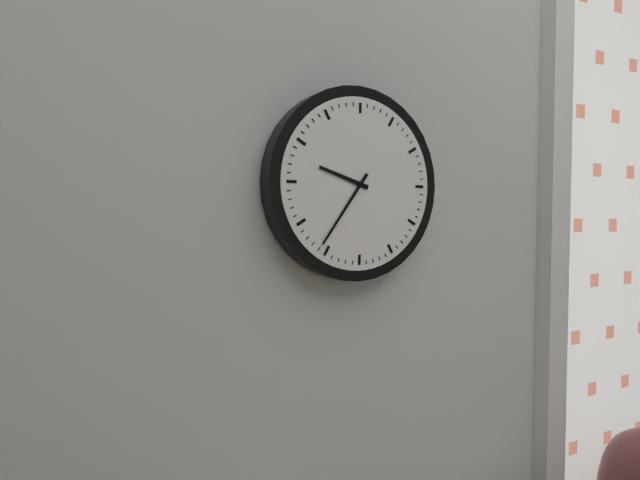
9:36
